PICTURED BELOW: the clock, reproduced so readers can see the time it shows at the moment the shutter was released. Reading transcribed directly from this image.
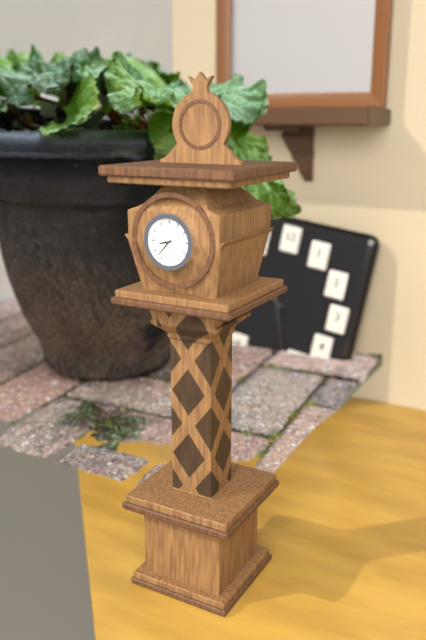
8:37
